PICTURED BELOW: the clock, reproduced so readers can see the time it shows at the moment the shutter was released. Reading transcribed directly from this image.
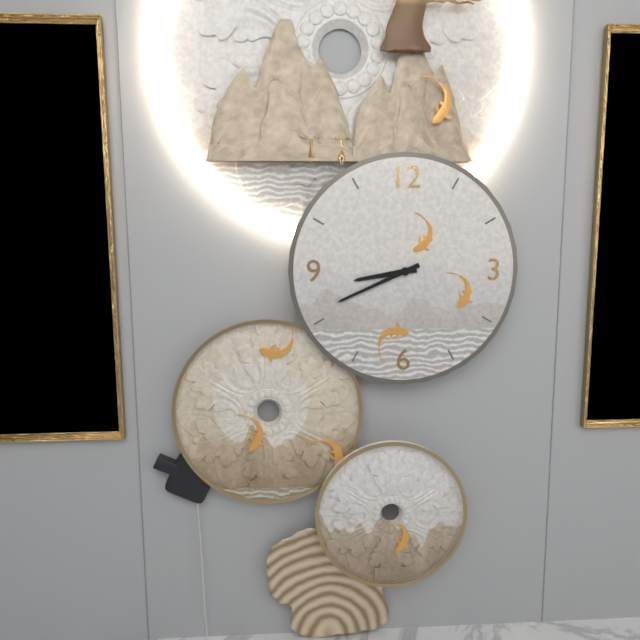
8:41
